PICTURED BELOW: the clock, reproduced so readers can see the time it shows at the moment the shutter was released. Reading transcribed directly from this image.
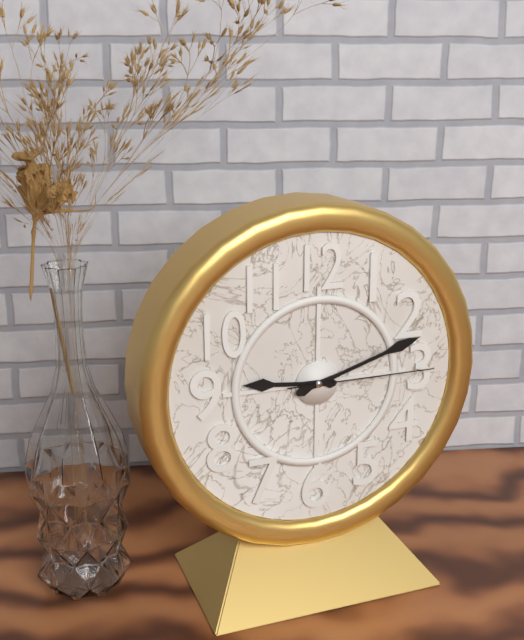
9:12:15
